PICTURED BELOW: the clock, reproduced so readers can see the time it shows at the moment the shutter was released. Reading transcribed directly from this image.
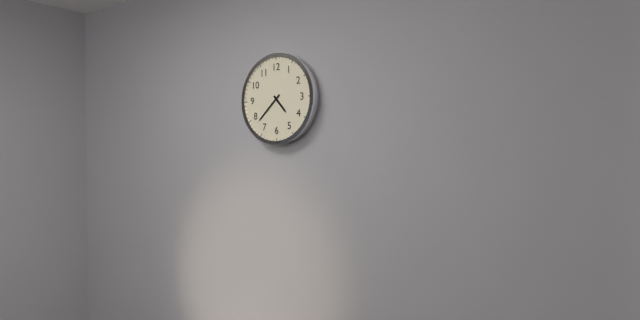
4:38
